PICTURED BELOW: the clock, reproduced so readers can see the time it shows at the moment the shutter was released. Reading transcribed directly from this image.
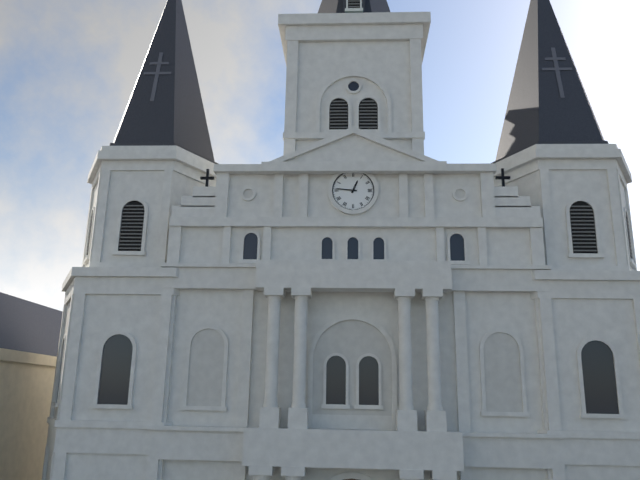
12:46
